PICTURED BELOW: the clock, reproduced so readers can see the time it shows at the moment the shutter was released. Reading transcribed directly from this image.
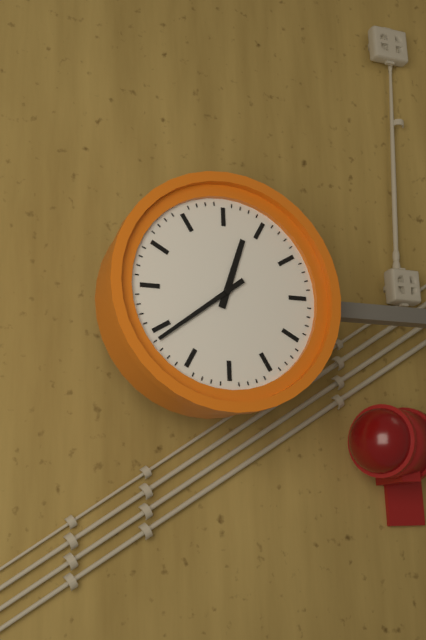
12:39
